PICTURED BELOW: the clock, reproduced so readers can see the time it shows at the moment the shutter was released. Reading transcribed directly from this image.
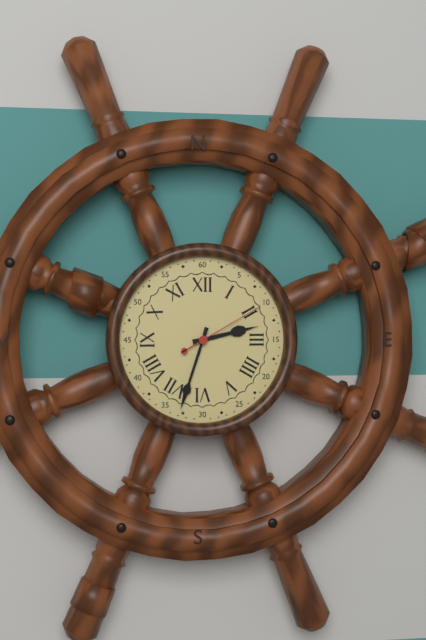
2:33:10
